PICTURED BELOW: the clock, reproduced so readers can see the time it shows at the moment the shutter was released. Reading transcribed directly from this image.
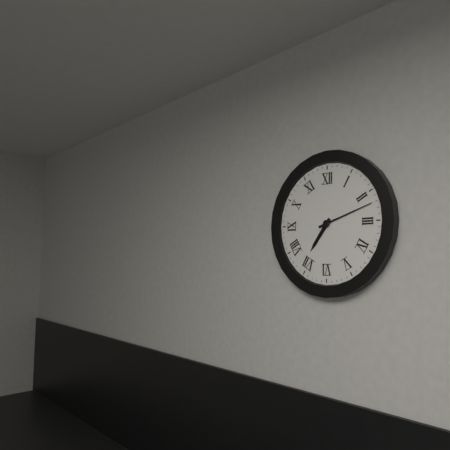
7:12
